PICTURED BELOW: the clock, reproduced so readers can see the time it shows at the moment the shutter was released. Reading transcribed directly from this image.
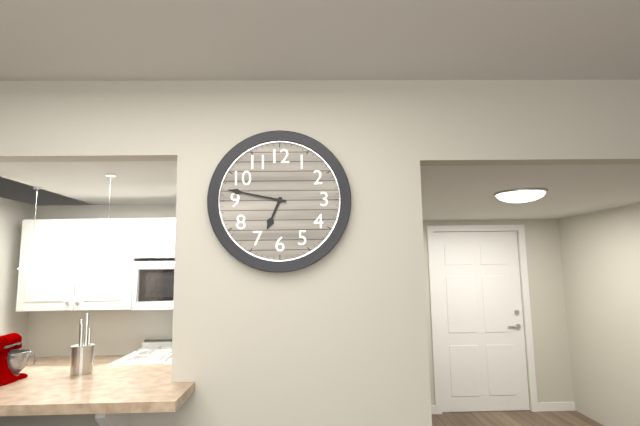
6:47
